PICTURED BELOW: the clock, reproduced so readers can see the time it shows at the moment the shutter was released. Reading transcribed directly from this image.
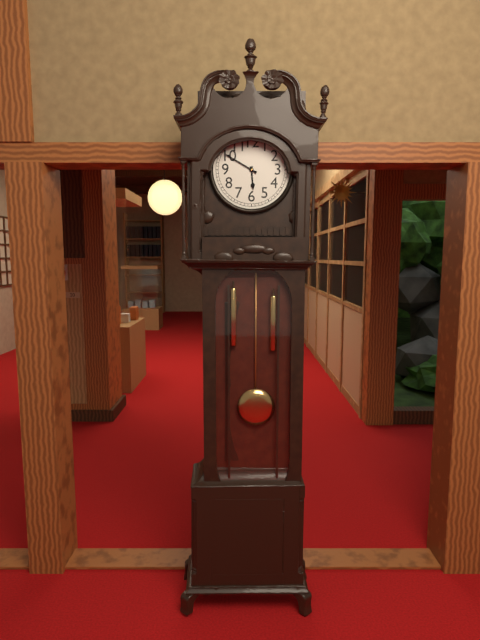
5:50
